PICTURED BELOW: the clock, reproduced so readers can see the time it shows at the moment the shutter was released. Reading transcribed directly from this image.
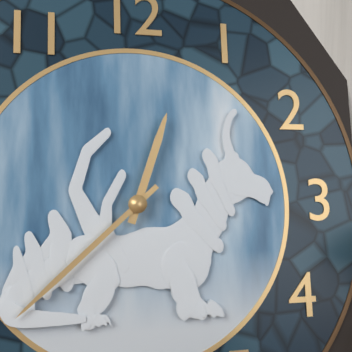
12:38
